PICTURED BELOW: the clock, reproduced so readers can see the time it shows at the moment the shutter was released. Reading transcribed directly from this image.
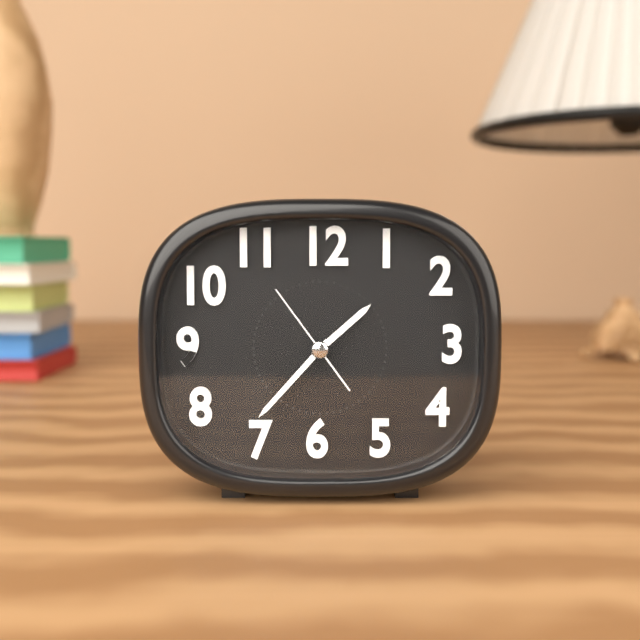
1:37:54
